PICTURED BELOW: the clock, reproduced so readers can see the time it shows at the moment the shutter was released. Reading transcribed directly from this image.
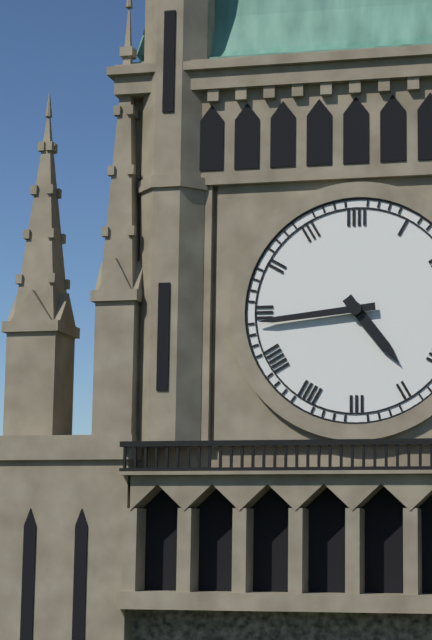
4:44
